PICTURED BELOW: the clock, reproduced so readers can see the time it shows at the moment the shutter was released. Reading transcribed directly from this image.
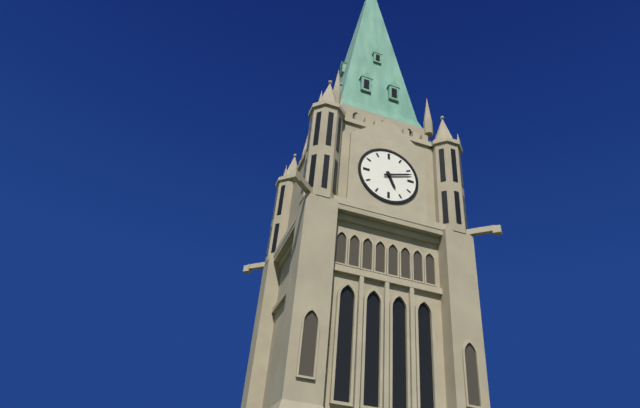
5:12
